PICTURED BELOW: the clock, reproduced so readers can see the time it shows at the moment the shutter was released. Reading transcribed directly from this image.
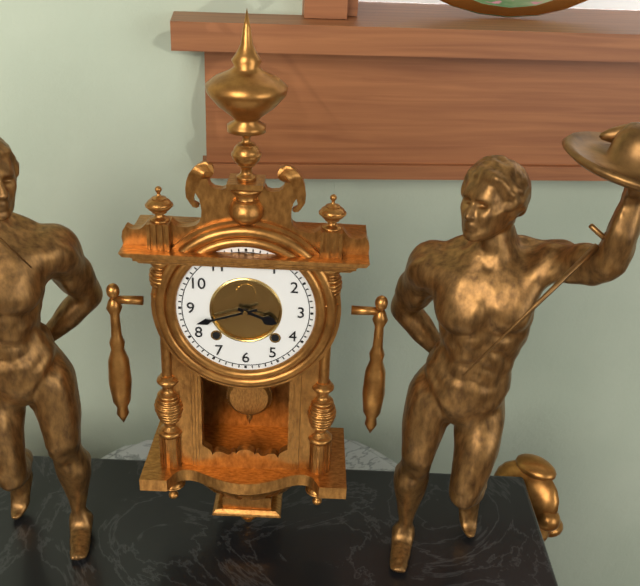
3:42
